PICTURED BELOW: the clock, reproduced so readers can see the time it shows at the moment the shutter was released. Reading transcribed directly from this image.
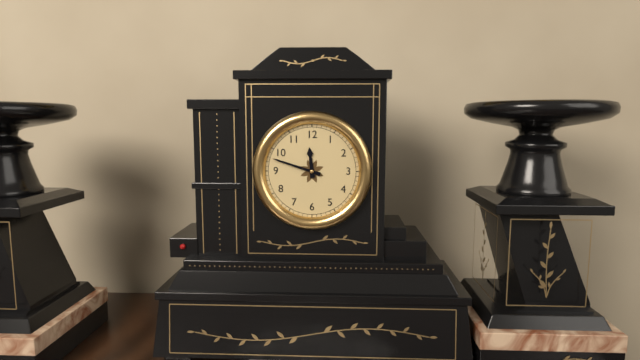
11:48
